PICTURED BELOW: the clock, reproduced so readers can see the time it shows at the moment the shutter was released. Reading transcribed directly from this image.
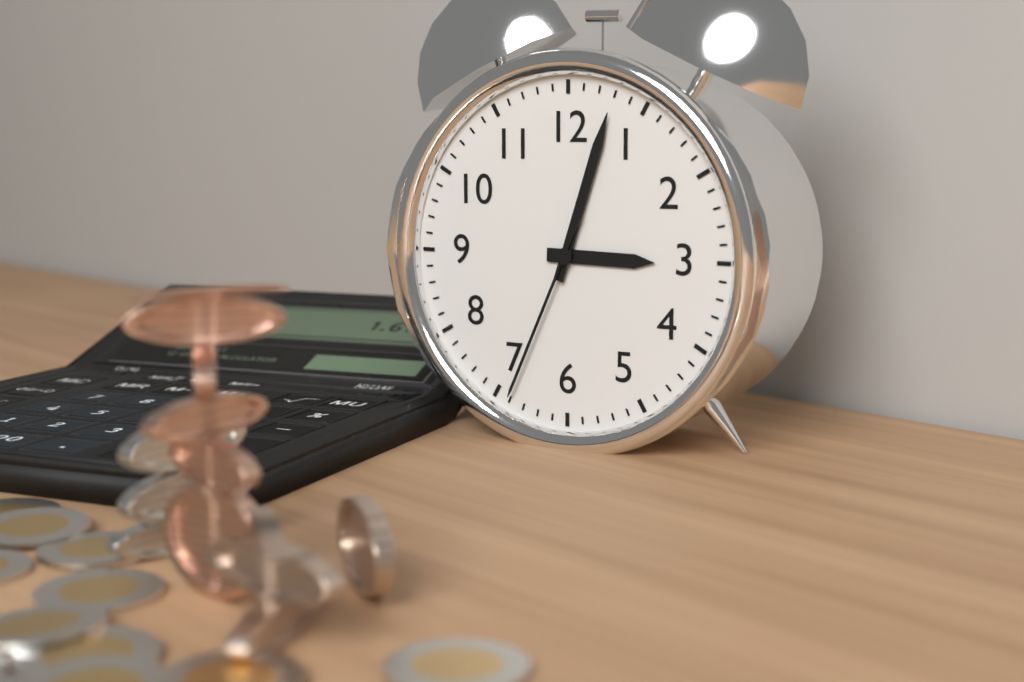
3:03:34
